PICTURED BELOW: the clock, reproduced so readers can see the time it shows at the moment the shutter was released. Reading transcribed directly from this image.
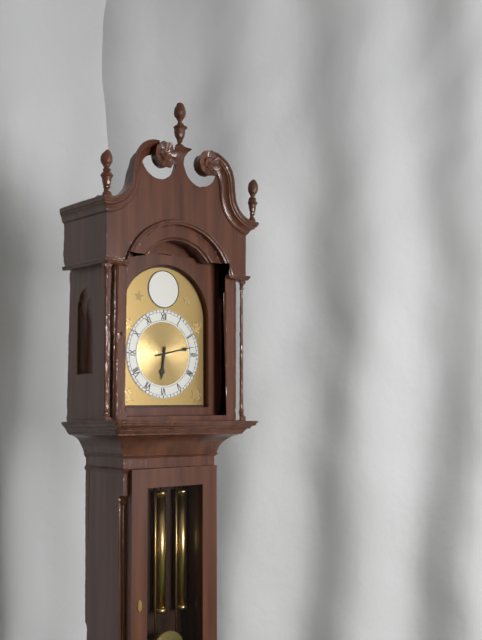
6:13
